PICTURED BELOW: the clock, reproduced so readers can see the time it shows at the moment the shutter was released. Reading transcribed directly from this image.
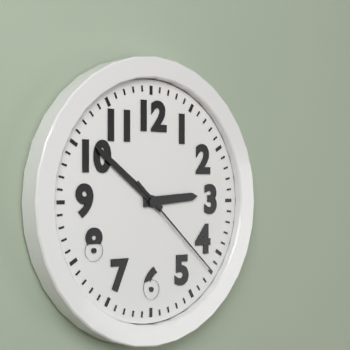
2:51:22
